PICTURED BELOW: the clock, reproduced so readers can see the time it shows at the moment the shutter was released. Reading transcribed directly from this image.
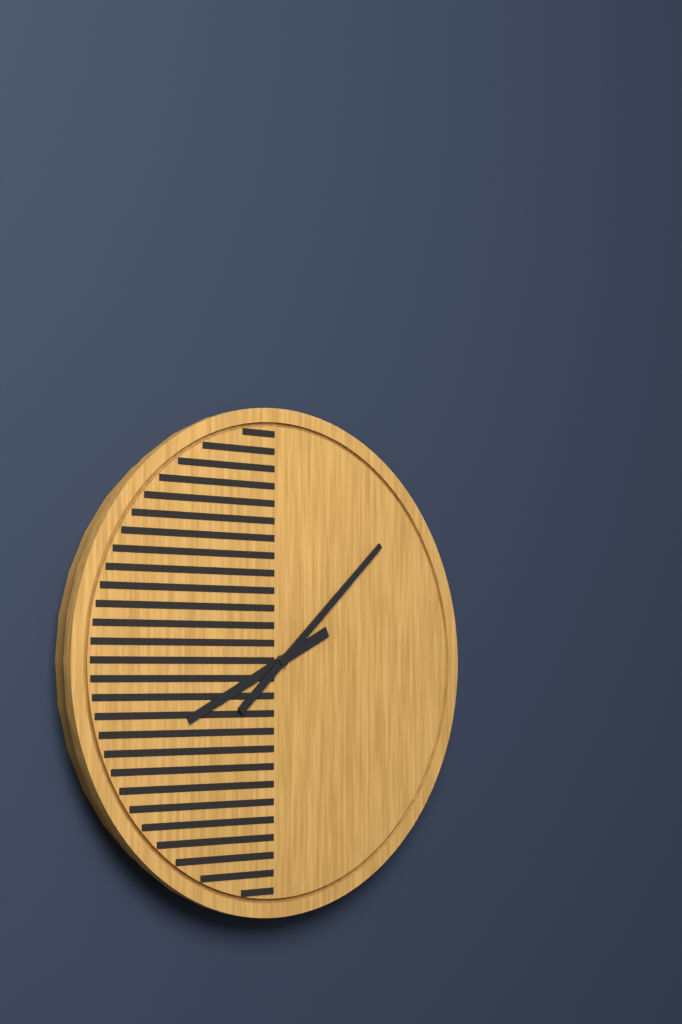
8:08
